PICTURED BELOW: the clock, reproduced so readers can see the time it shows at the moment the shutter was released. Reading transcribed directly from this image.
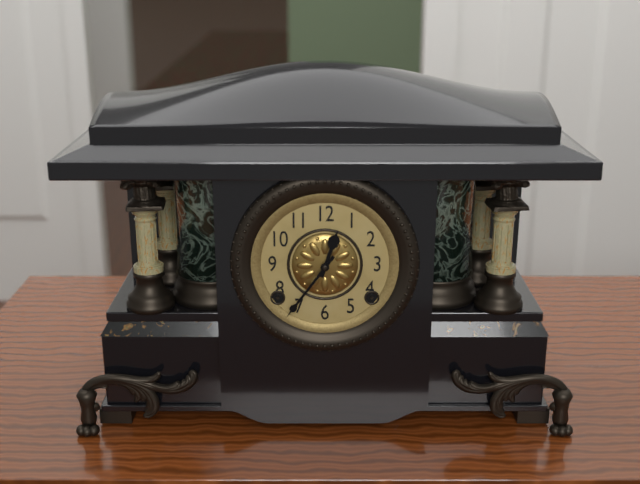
12:36
